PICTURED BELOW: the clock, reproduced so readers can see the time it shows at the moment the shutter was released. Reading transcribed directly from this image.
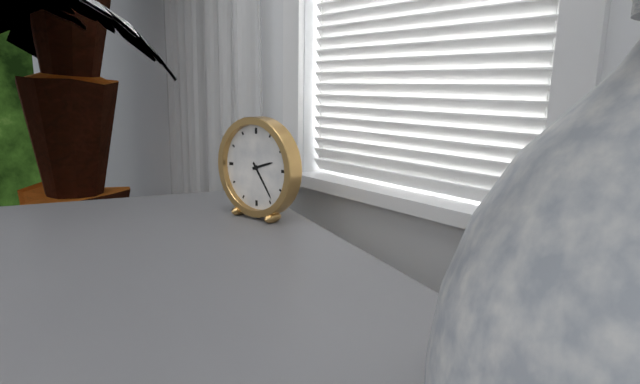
2:24
